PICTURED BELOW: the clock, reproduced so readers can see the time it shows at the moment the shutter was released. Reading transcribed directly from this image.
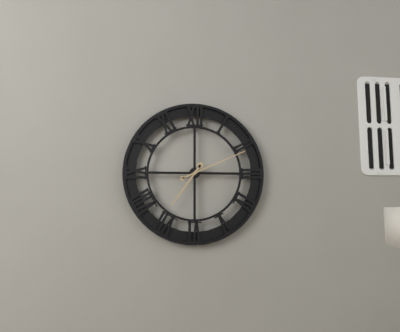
7:11
